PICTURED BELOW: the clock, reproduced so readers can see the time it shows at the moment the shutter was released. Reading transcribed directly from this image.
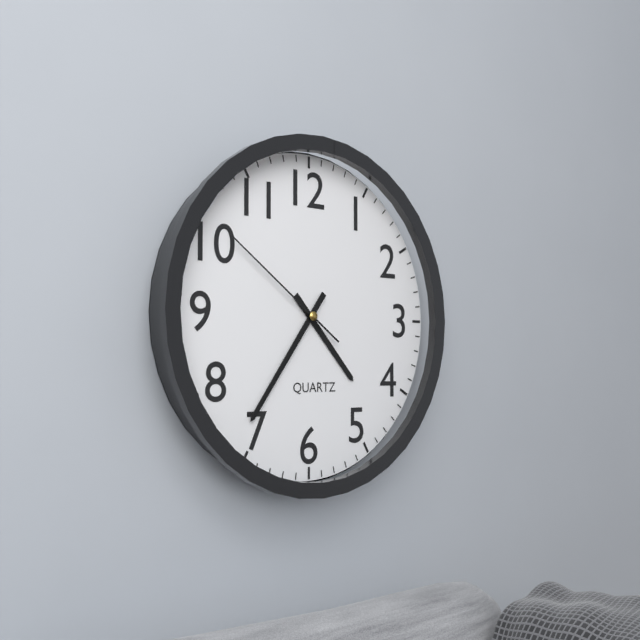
4:36:51
